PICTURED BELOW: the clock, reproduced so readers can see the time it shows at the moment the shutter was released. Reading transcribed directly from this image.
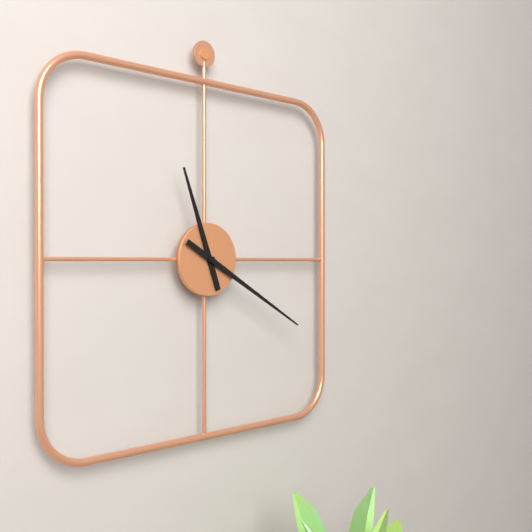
11:20
